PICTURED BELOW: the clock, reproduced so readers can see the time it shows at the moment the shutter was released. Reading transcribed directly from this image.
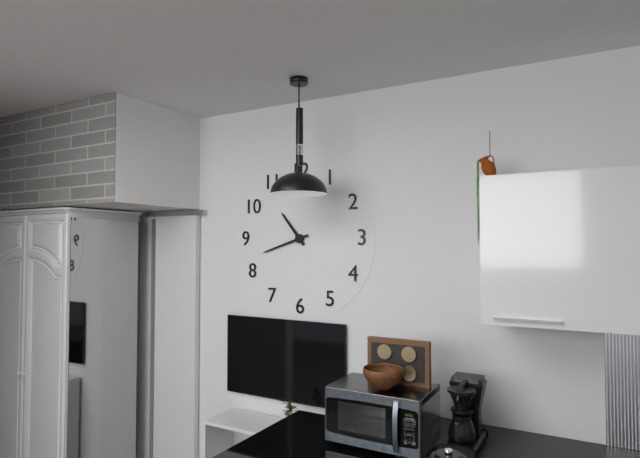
10:42
